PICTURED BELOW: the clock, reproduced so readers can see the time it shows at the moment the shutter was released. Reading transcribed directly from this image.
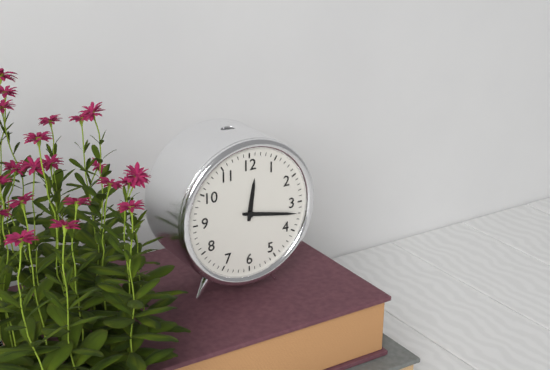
12:17
